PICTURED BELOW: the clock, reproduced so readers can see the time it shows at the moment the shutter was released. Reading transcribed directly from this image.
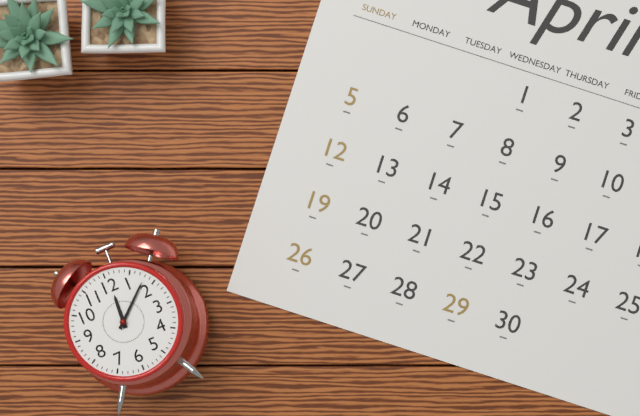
12:08
